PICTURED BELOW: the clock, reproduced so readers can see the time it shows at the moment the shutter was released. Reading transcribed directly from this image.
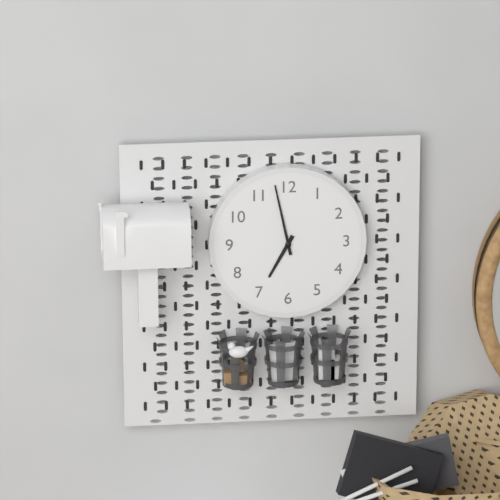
6:58
